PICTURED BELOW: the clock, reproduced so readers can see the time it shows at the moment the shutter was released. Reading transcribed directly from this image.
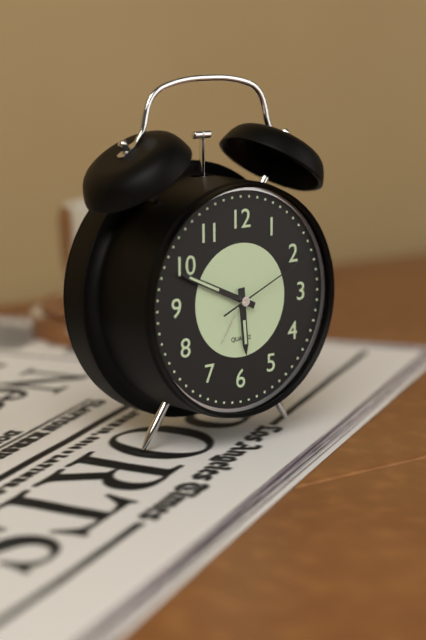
5:49:11
